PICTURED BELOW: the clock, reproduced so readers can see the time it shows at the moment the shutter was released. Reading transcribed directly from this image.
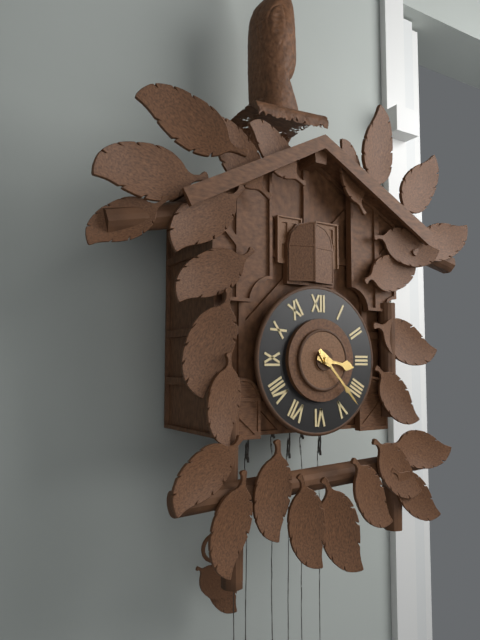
3:23
